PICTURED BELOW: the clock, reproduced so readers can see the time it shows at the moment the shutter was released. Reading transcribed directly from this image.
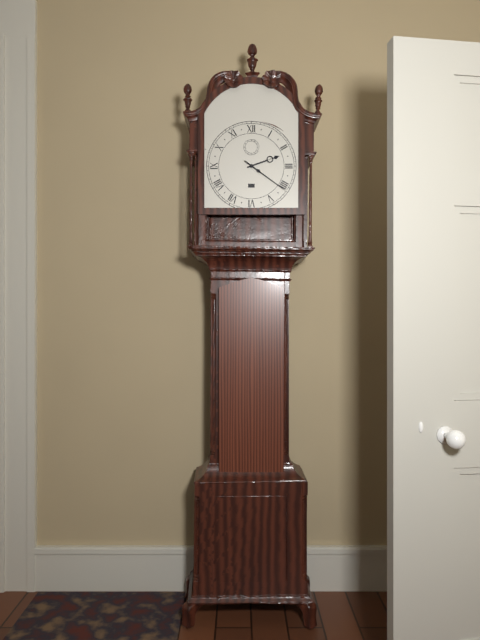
2:21
